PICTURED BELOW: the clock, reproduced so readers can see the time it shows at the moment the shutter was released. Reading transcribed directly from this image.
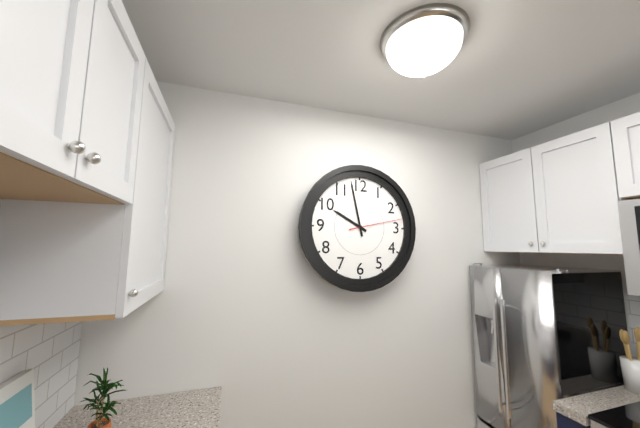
9:58:13
